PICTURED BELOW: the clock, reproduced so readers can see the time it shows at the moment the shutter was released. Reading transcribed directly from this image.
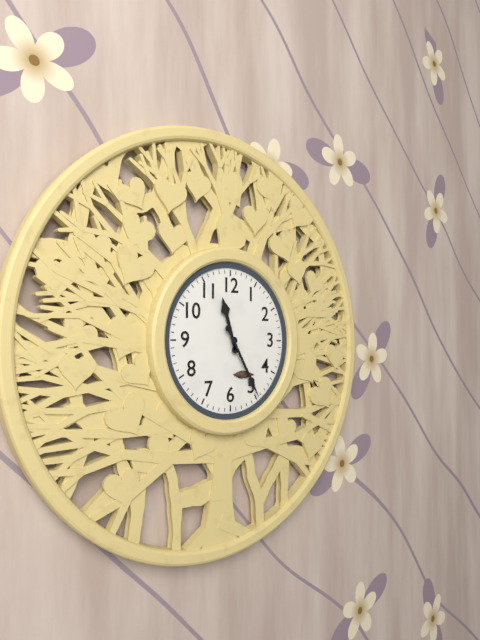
11:25
